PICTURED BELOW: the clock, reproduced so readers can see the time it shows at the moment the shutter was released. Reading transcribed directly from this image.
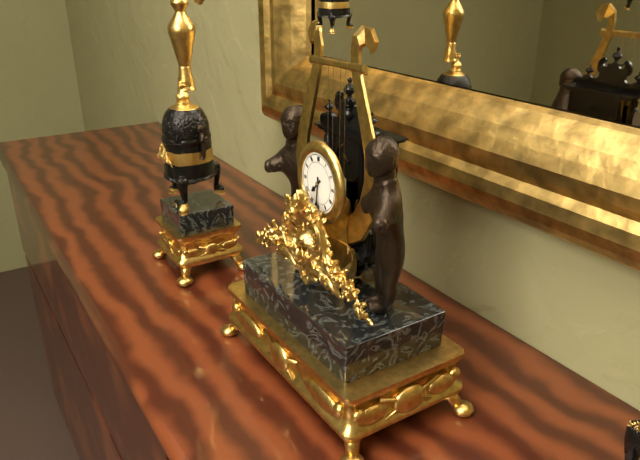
7:31
